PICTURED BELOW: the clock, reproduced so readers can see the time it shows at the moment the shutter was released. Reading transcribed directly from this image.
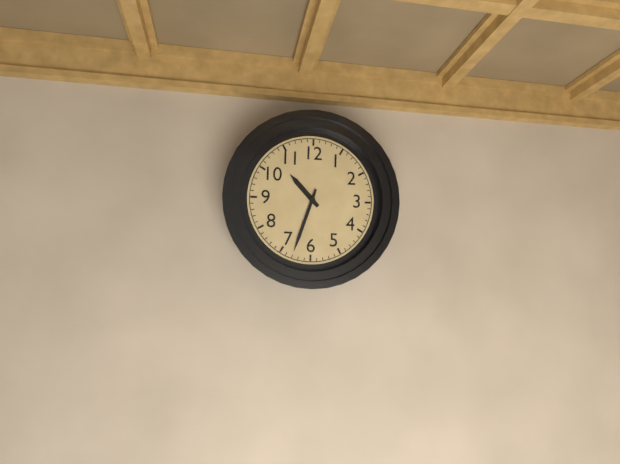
10:33
